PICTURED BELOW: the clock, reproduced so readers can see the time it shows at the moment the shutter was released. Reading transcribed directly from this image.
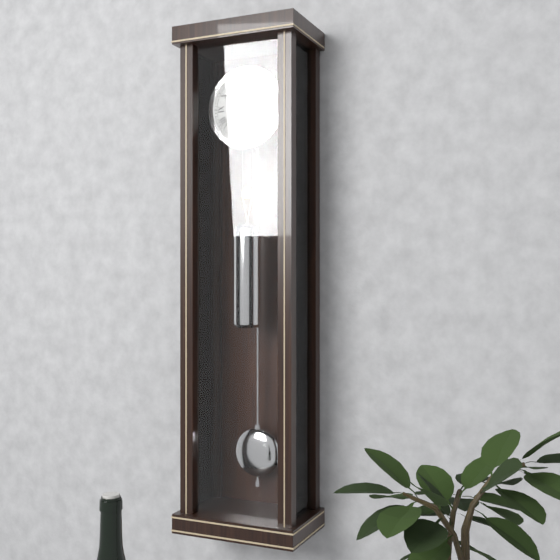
4:59
